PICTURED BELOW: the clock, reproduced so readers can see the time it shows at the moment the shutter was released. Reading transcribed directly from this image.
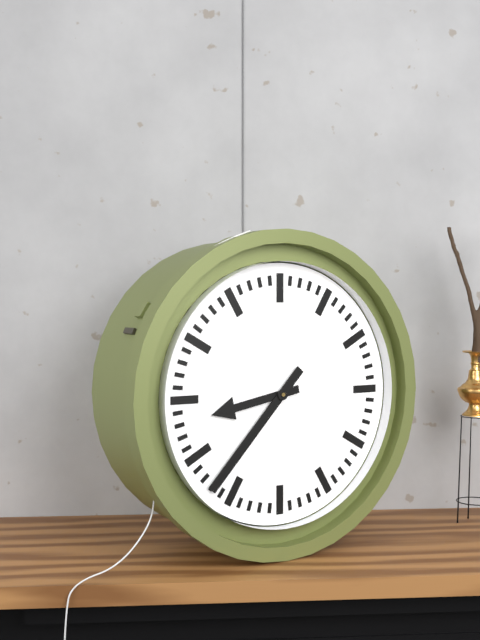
8:37
